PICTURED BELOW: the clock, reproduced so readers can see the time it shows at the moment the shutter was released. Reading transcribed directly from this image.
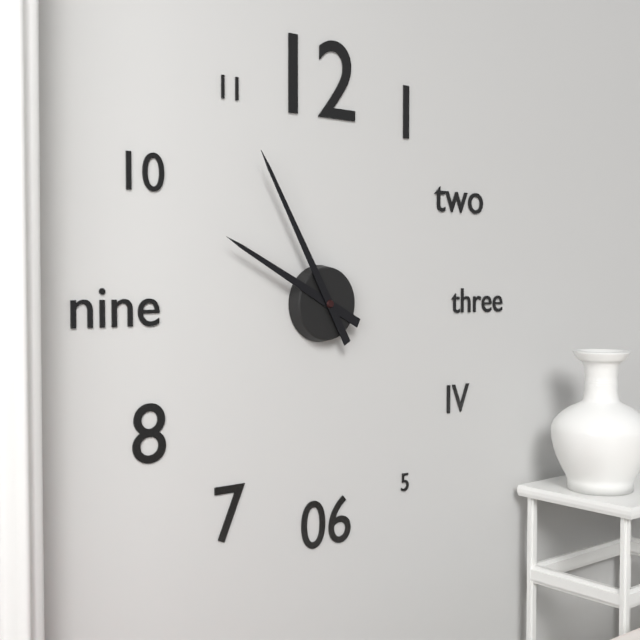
9:55
